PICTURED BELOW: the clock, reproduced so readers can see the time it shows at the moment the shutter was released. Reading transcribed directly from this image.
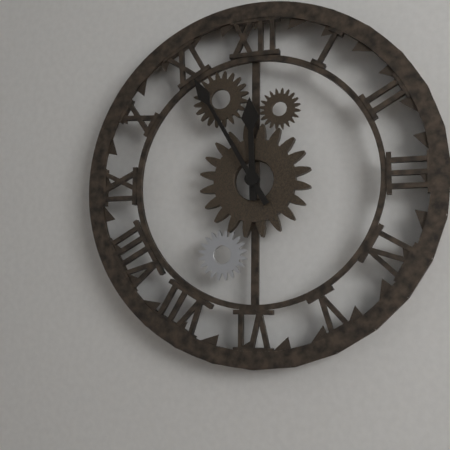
11:55
